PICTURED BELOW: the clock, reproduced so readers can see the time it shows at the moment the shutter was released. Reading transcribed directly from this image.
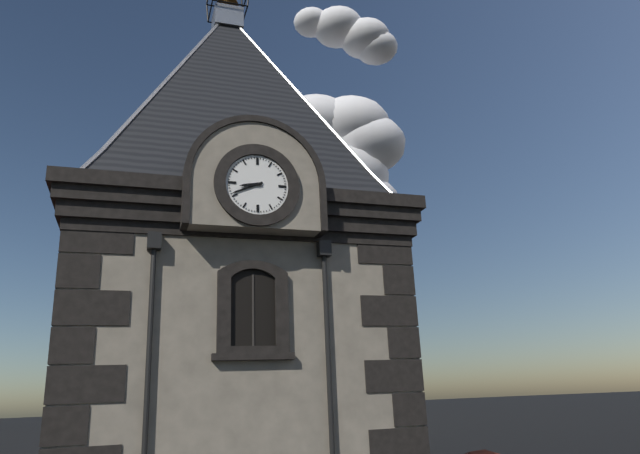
8:41
